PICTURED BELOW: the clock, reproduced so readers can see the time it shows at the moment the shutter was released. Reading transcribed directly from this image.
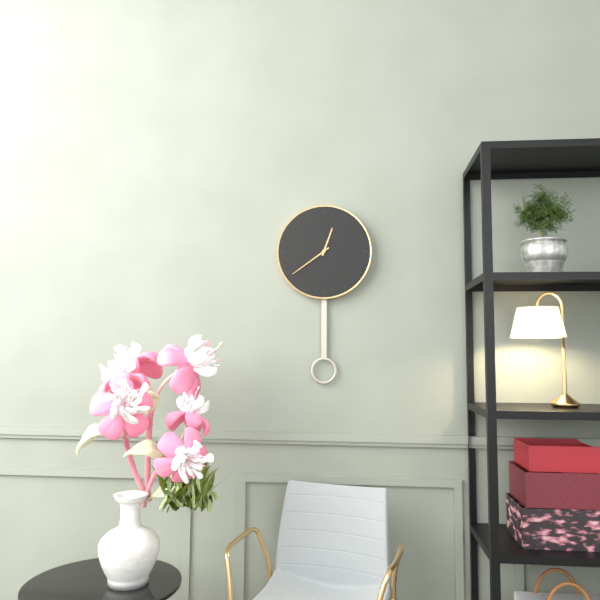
12:39
